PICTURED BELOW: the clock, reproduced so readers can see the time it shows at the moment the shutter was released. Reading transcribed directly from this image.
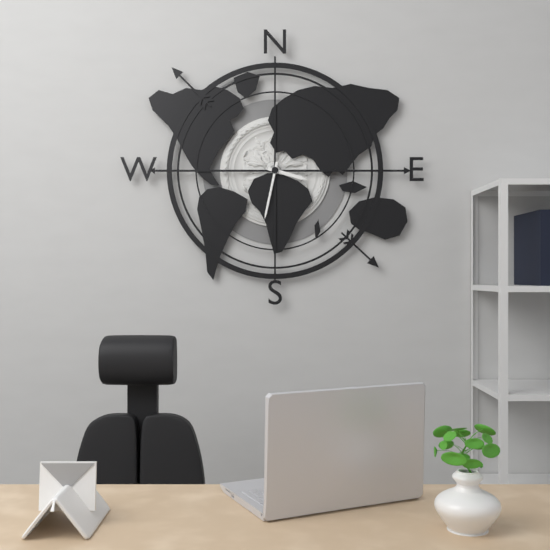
3:32
